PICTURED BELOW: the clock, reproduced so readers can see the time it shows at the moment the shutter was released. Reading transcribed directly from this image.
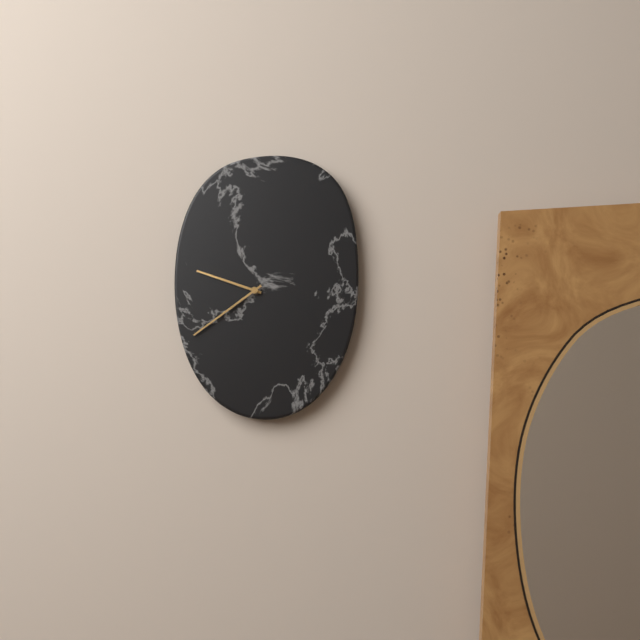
9:39
